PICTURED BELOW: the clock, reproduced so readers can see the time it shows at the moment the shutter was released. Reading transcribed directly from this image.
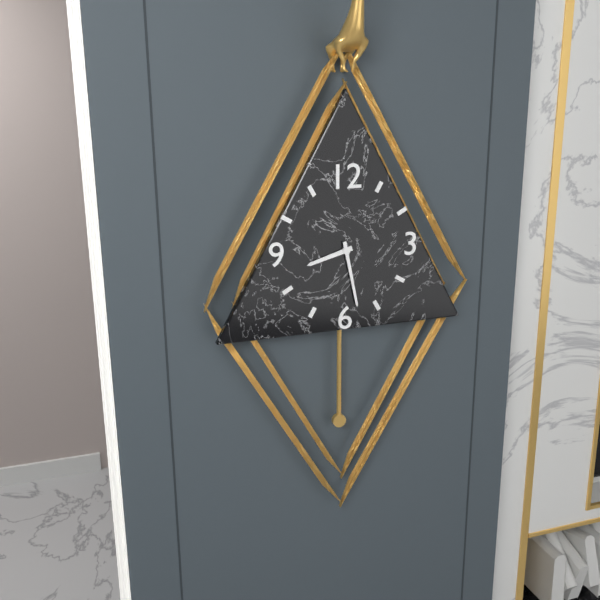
8:28
